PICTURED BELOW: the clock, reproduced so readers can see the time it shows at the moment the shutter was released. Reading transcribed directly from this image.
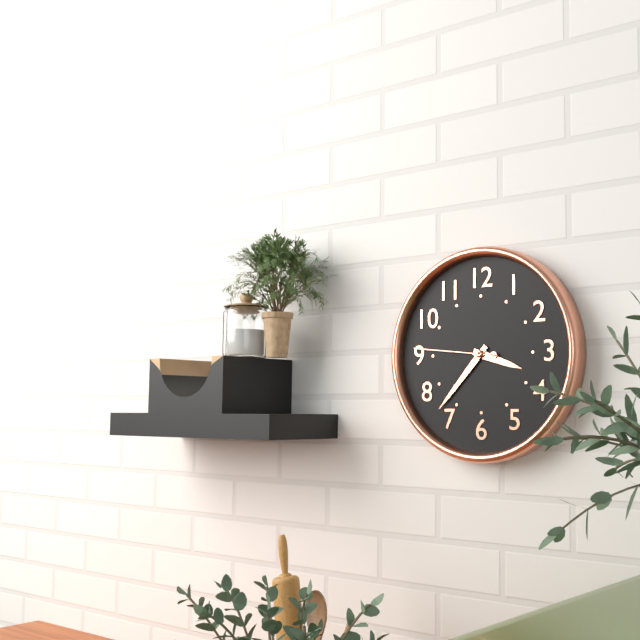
3:37:46
